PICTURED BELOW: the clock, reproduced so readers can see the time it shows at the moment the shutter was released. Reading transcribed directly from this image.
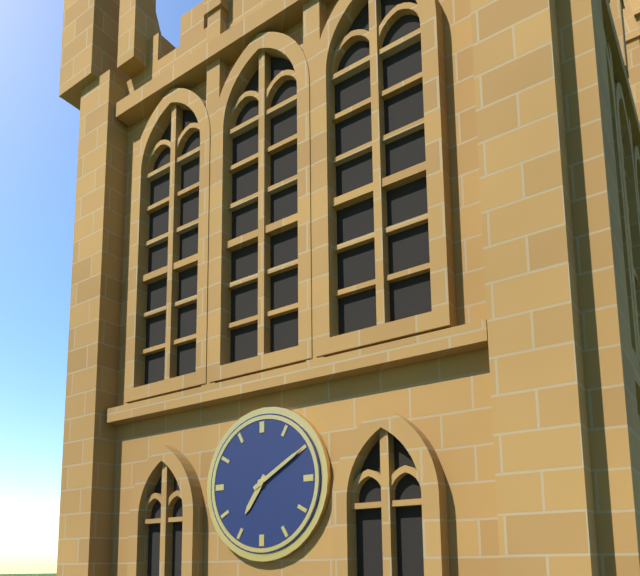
7:10
